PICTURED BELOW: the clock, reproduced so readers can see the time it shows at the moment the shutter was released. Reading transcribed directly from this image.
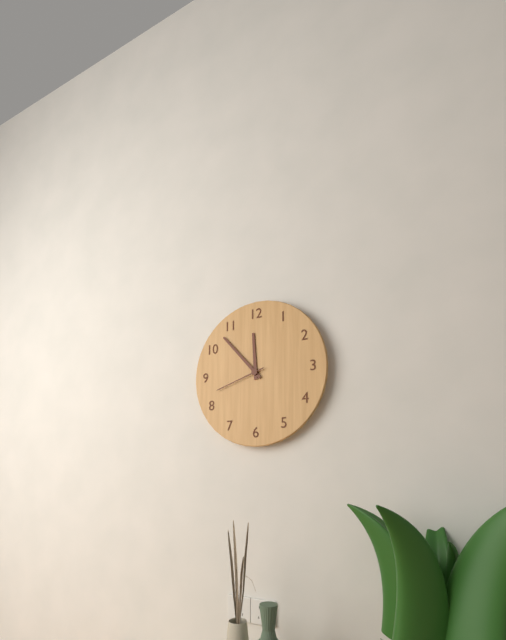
11:53:42
